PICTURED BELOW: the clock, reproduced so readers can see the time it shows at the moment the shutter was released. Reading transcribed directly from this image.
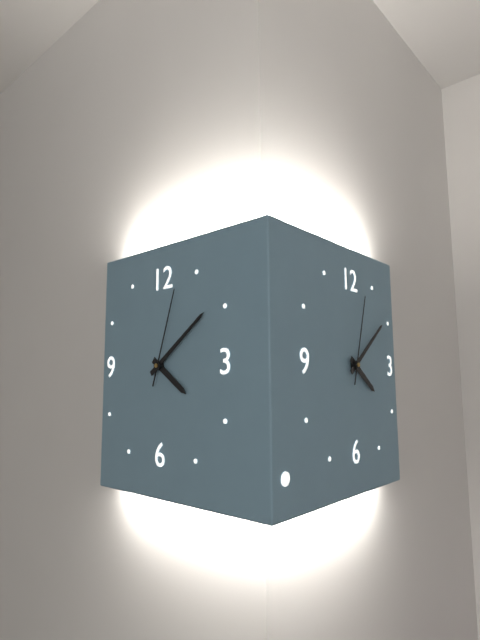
4:09:03
